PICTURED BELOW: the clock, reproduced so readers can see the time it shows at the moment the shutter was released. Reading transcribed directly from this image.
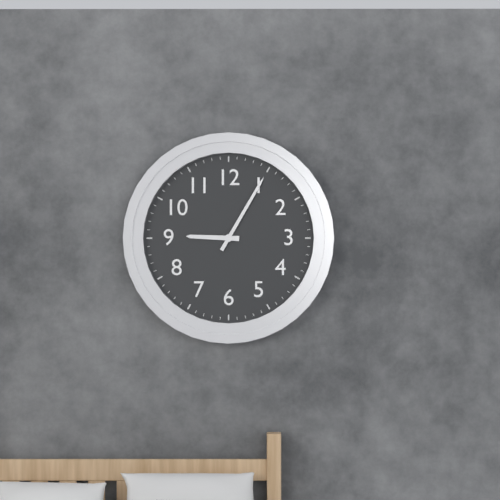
9:05
